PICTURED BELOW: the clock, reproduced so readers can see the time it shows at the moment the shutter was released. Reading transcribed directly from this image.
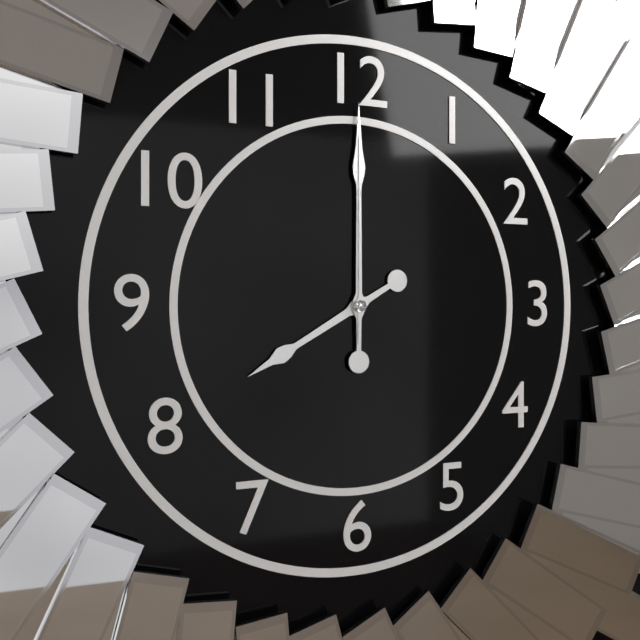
8:00:00
